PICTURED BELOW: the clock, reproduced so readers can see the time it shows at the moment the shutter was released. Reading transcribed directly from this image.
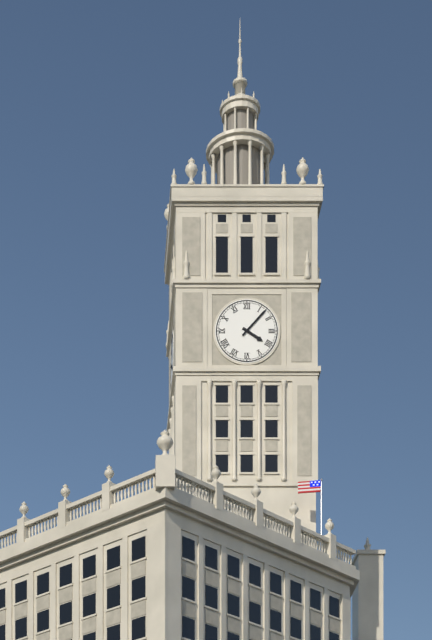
4:07
